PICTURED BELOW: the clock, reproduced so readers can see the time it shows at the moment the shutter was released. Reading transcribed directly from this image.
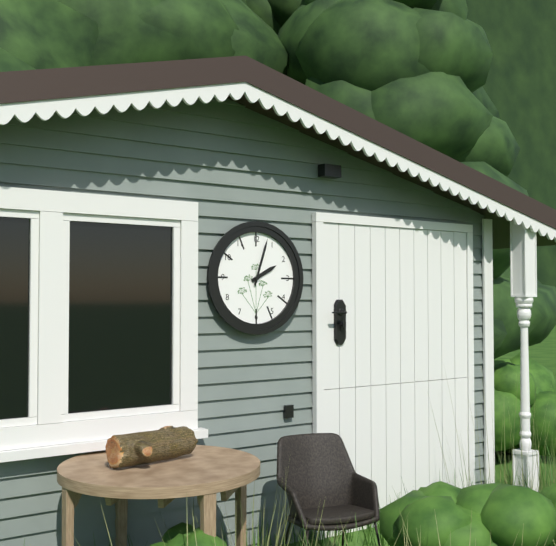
2:03
